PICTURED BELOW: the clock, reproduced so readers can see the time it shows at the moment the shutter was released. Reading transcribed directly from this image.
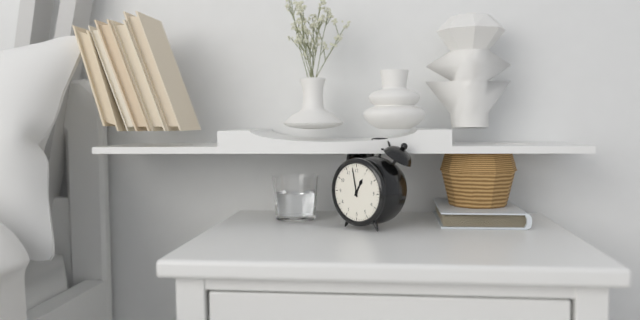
12:58
